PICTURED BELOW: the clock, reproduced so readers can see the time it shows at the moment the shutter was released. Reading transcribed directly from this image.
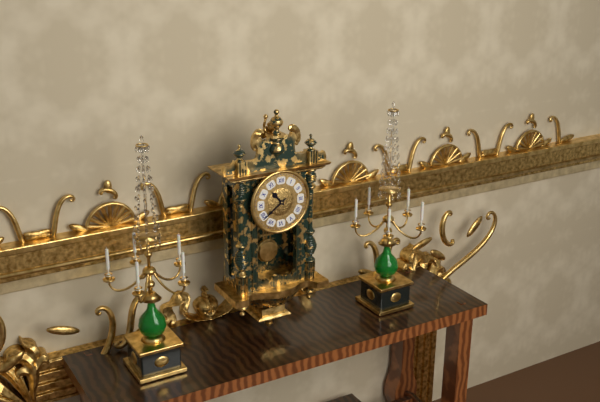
10:39
